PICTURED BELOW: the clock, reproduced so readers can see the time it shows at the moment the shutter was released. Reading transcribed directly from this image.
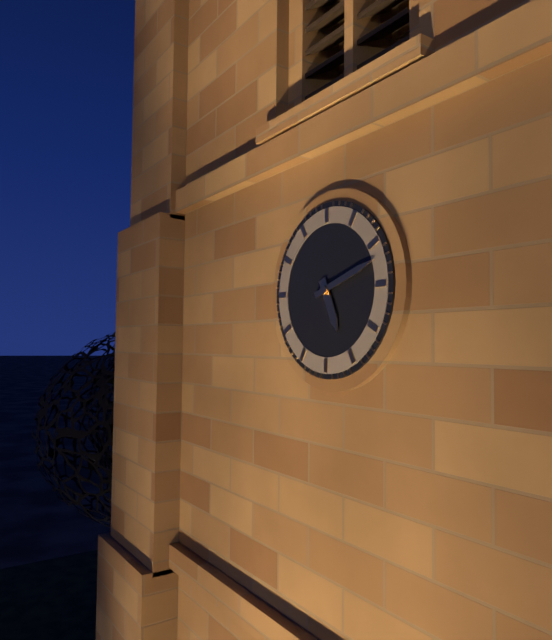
5:12
